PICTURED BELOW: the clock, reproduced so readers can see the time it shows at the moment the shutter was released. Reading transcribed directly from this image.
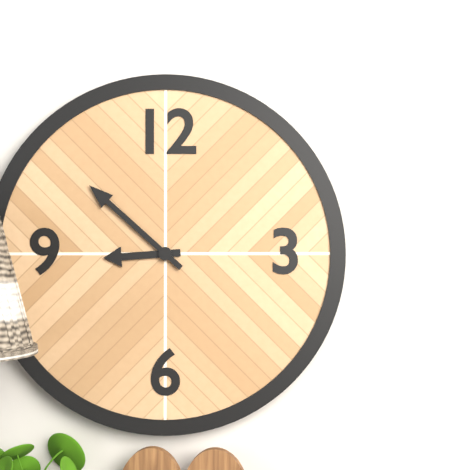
8:52
